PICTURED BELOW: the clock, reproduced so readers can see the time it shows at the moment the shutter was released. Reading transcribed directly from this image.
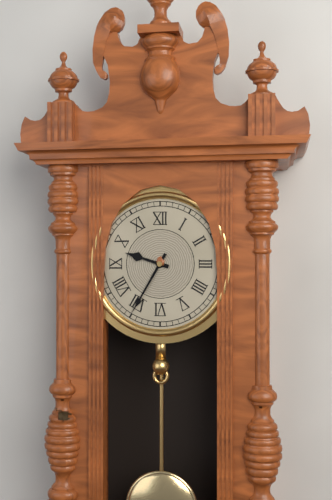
9:35
